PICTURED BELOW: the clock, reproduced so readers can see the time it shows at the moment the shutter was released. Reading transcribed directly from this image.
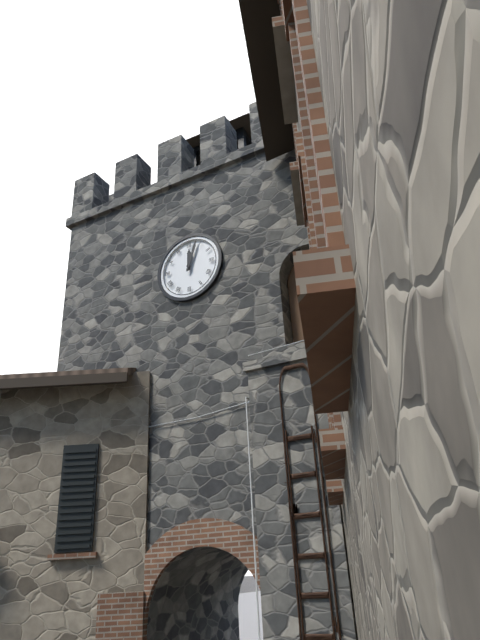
12:03
